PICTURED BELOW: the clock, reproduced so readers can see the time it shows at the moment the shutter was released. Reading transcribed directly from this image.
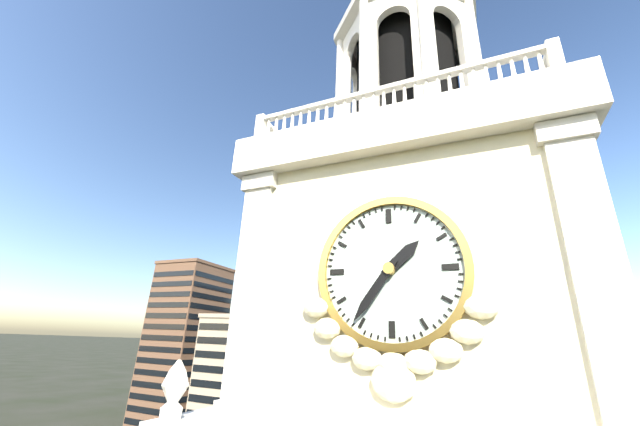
1:36
